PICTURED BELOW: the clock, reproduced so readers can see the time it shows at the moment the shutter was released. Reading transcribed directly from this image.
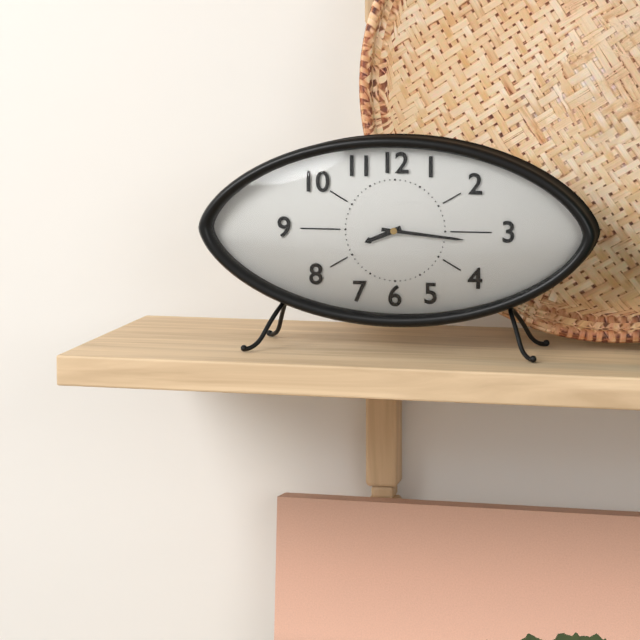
8:16
